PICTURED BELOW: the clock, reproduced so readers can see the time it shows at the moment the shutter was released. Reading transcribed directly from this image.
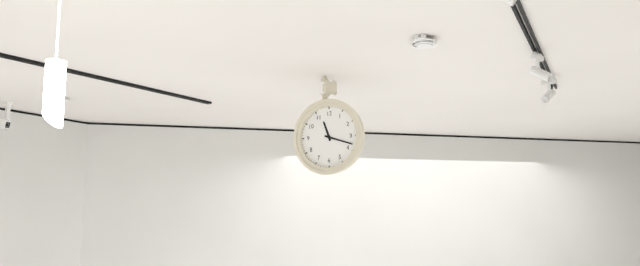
11:18
